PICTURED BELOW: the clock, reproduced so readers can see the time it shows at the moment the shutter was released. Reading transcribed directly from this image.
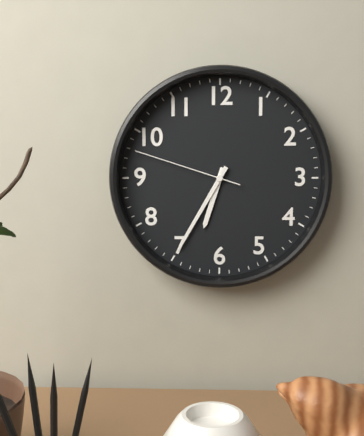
6:35:48
